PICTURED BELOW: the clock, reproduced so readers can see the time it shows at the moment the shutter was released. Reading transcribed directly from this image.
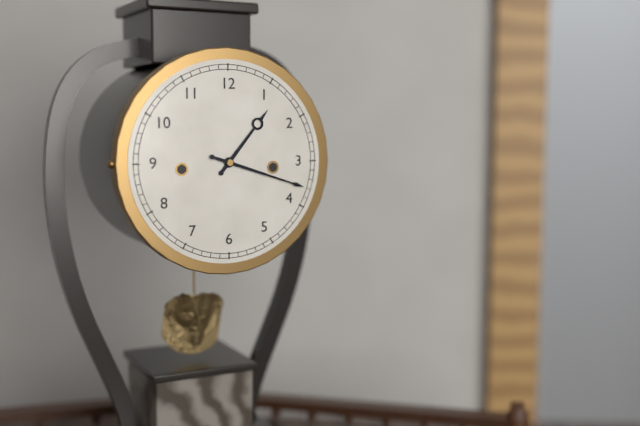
1:18
